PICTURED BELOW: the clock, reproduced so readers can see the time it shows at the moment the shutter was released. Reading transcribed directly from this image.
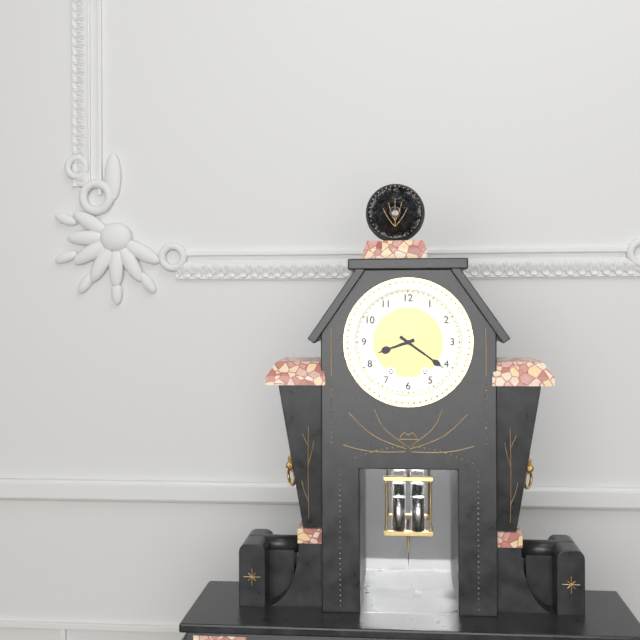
8:21
